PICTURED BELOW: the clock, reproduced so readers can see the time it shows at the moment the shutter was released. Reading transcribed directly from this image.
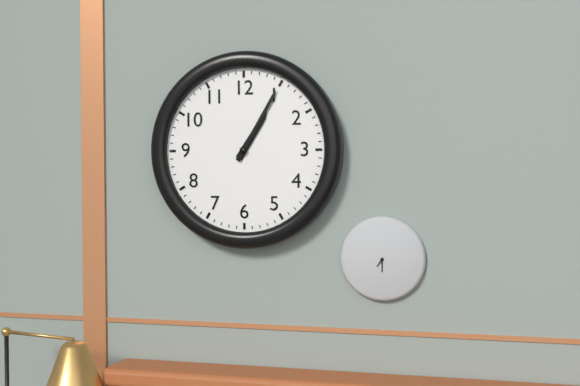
1:05
